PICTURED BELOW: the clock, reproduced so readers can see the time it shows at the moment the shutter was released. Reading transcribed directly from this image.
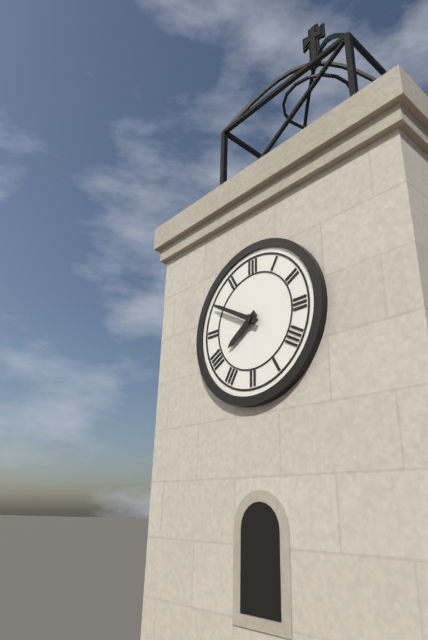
7:50
